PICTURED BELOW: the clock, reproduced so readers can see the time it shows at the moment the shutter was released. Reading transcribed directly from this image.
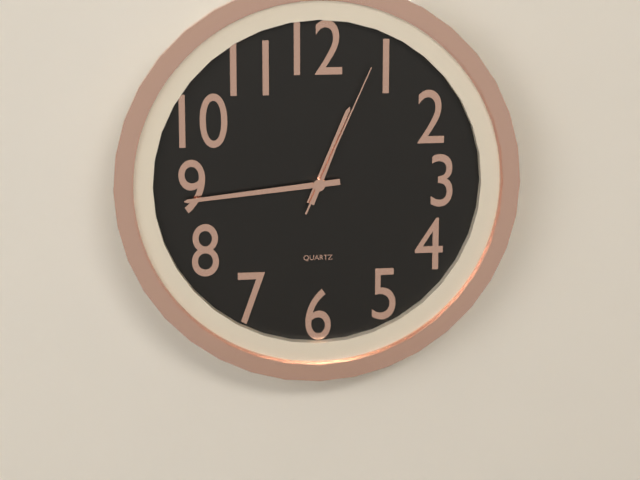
12:44:04
